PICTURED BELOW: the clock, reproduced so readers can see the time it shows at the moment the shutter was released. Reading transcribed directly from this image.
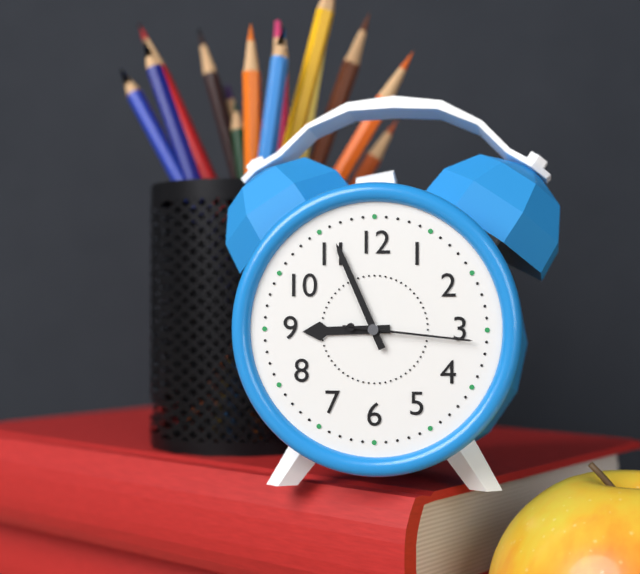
8:56:16
